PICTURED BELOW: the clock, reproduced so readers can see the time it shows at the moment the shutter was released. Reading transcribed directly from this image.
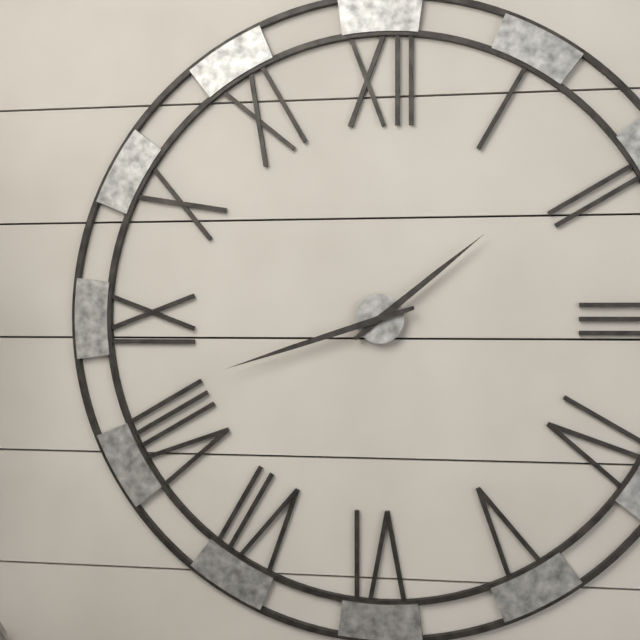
1:42
